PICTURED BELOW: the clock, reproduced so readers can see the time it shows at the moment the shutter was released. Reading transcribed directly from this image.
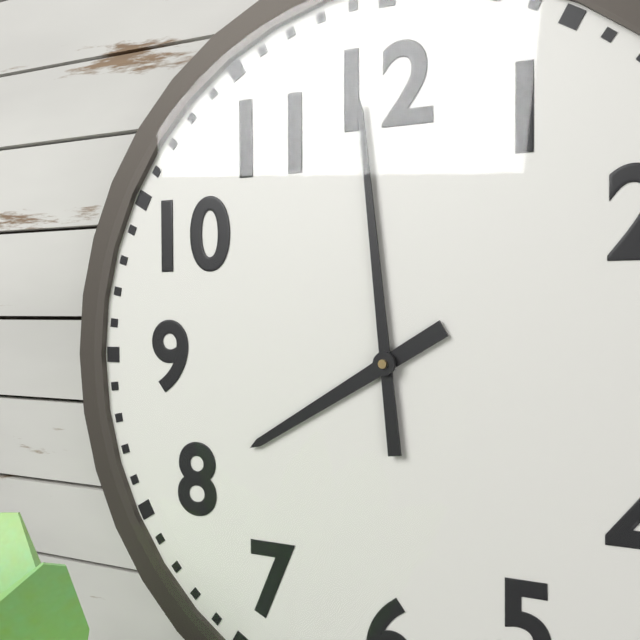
7:59
